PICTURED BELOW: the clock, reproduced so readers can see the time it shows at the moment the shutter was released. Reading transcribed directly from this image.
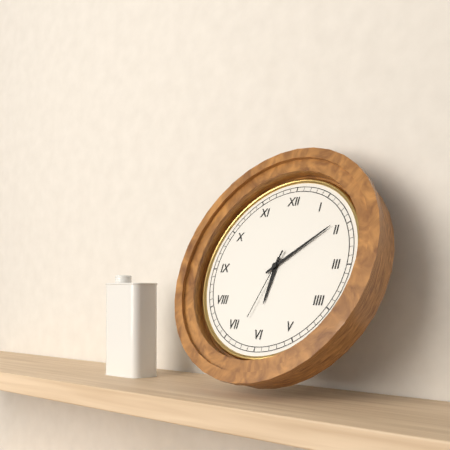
6:09:33
